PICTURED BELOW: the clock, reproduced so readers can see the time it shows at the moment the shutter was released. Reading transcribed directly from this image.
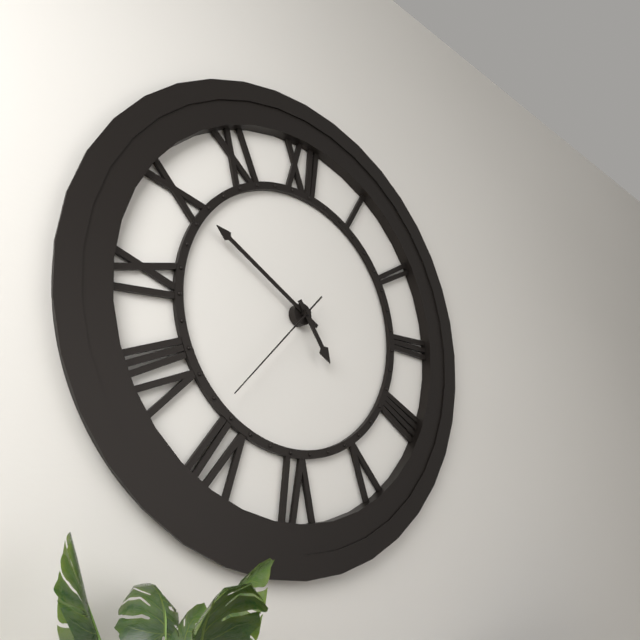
4:50:37
